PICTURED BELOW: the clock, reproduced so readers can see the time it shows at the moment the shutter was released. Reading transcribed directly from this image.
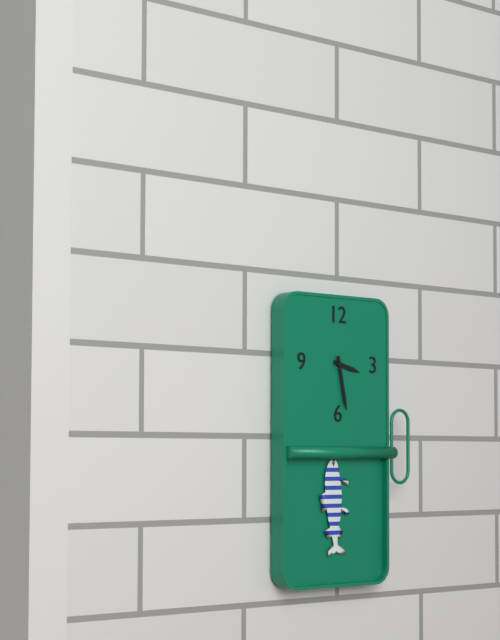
3:28
